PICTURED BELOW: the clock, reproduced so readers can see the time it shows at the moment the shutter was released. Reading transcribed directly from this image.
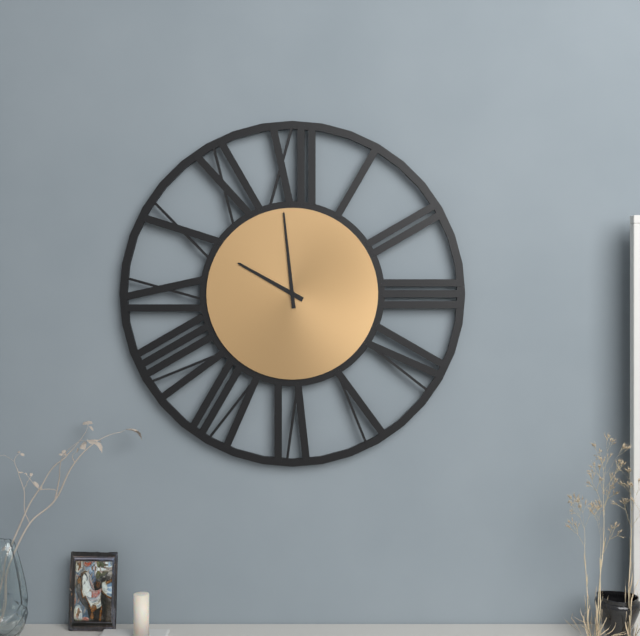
9:59
